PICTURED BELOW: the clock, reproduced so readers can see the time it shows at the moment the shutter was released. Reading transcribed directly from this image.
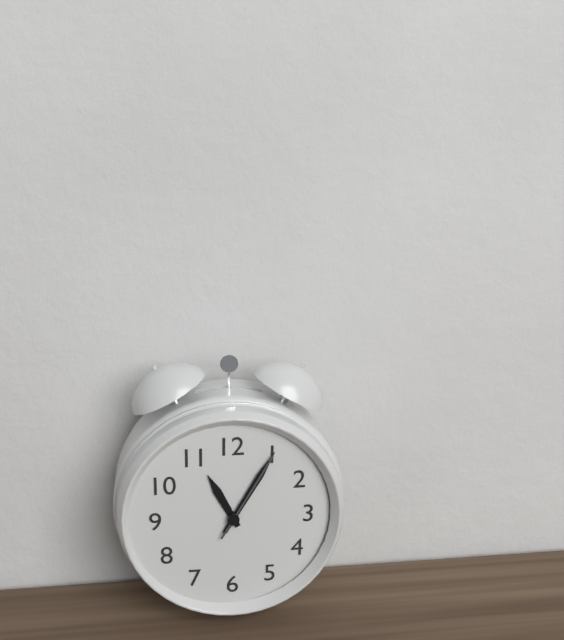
11:05:05
